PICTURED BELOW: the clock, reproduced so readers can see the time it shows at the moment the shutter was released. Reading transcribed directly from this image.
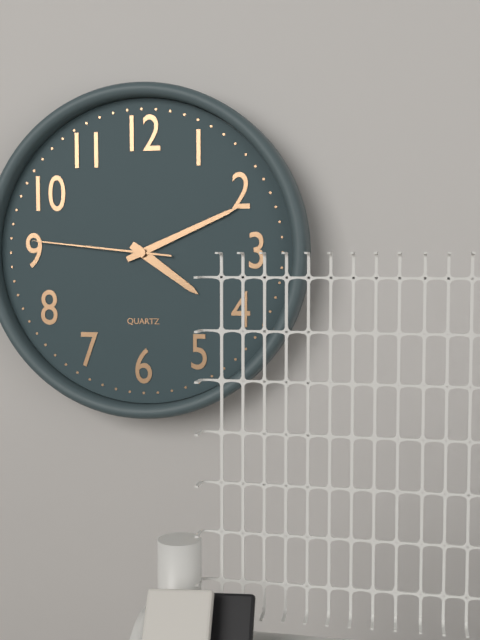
4:11:46
